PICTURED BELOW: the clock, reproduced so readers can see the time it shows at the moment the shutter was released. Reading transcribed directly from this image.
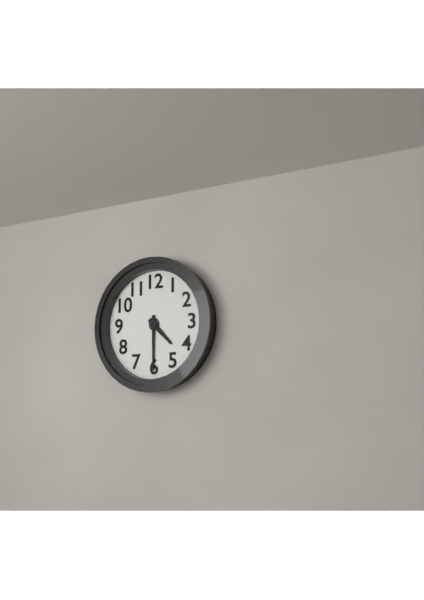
4:30
